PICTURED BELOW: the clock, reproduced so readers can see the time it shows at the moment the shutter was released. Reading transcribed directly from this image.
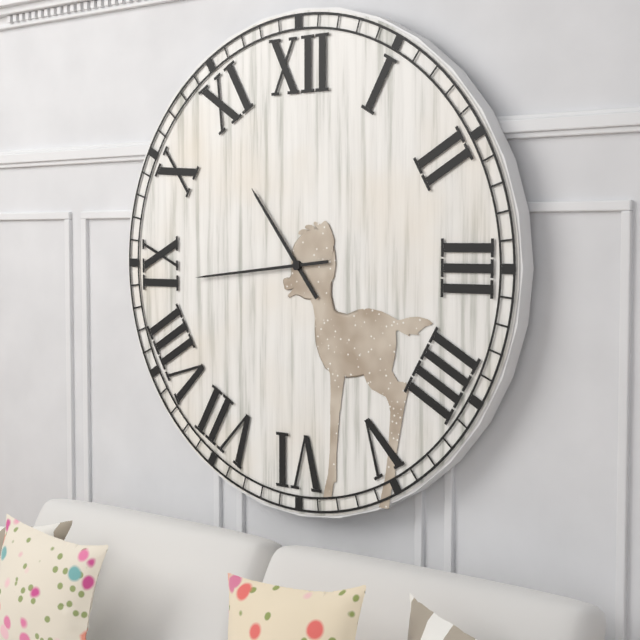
10:44
